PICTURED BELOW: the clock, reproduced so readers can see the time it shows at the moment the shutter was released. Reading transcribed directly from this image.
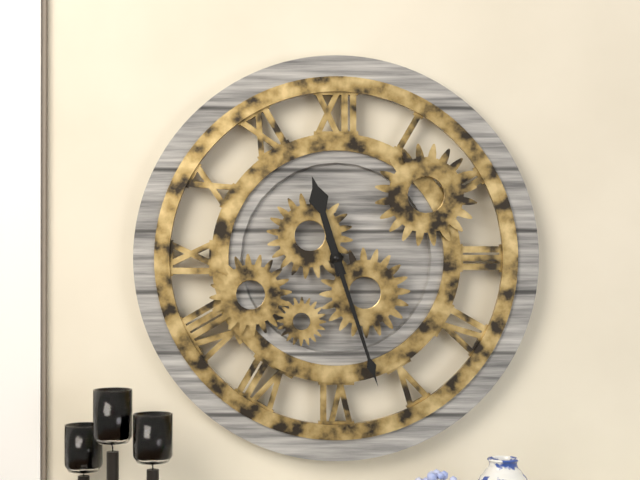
11:27
